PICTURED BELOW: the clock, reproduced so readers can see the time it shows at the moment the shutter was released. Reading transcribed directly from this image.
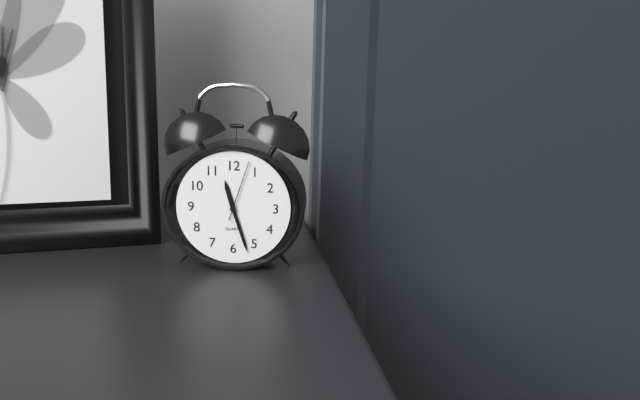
11:27:03
